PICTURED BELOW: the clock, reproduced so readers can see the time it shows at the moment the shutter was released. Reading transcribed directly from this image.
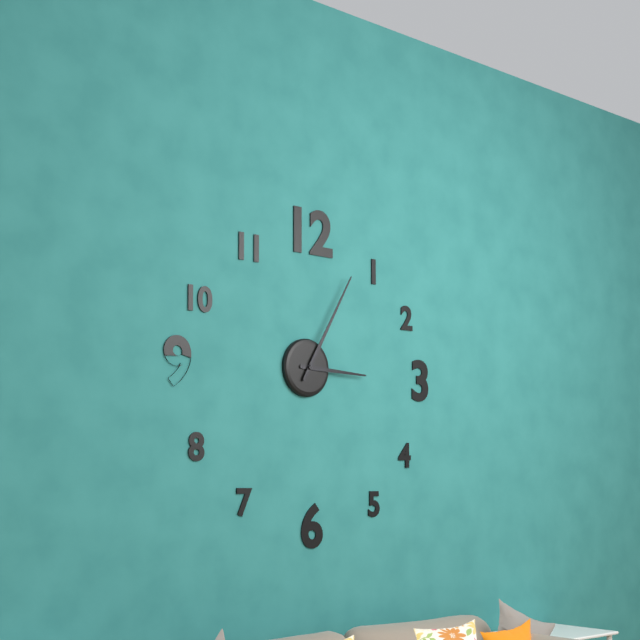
3:05
